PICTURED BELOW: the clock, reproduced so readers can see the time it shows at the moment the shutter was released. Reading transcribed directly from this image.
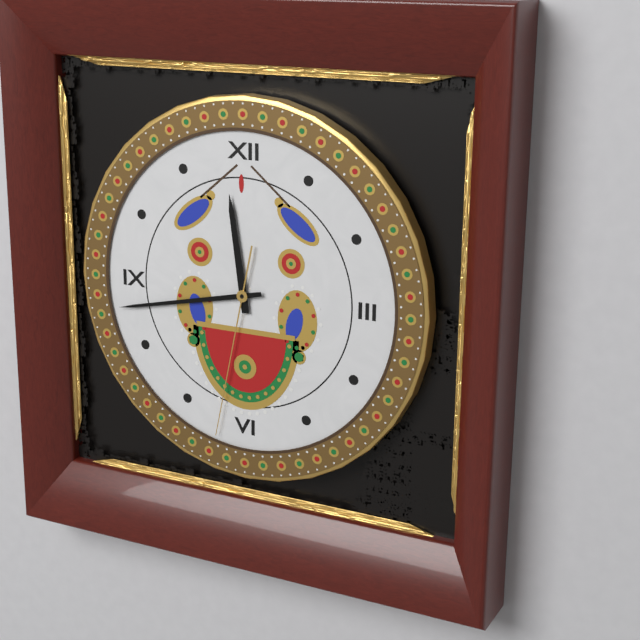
11:43:32
